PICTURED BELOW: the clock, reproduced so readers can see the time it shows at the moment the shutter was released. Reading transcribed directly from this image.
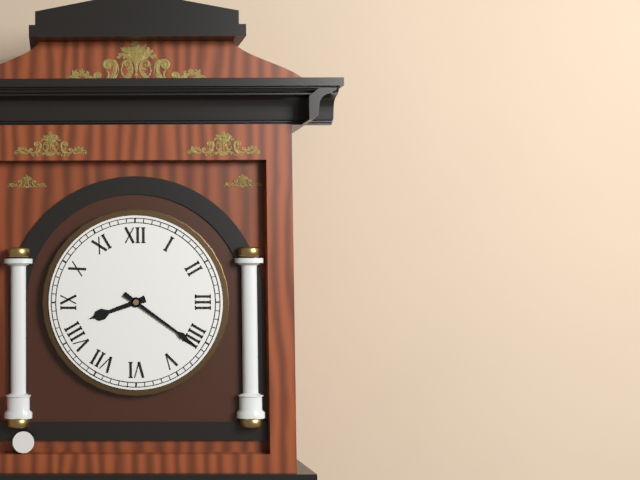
8:21
